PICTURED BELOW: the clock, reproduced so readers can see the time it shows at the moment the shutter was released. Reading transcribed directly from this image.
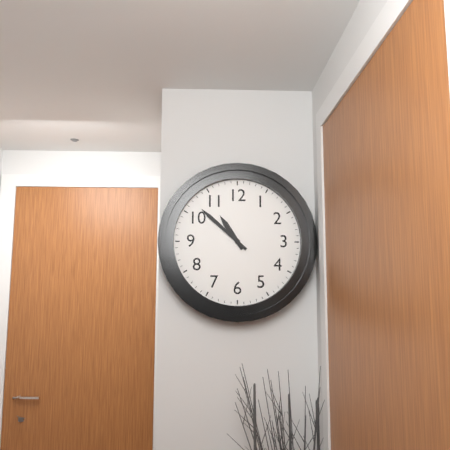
10:52
